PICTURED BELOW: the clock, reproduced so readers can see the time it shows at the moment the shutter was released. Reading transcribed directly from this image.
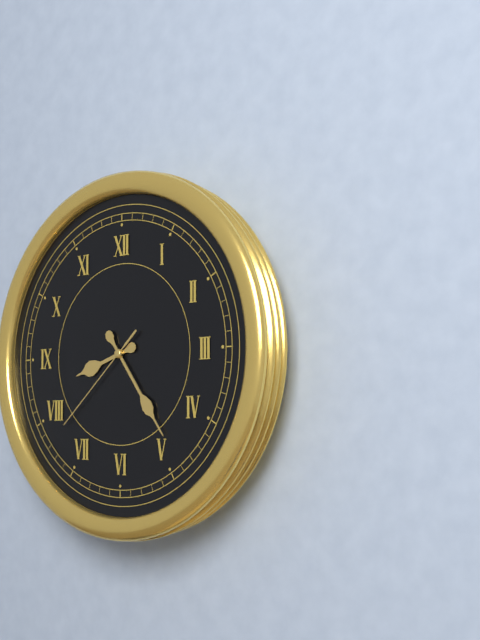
8:24:38
